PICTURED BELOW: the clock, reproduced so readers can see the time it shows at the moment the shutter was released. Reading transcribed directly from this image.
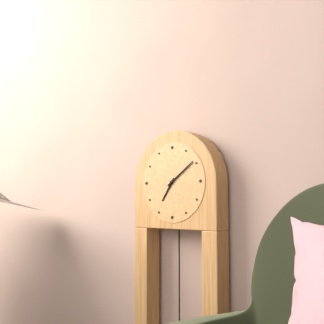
7:09
